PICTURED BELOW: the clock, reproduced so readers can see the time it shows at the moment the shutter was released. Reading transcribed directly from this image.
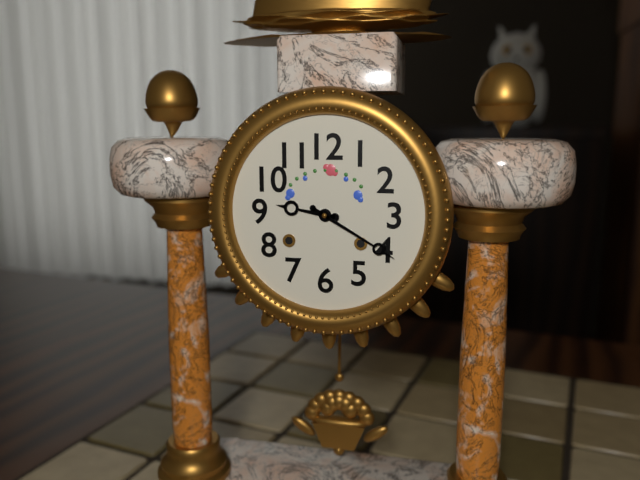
9:20
